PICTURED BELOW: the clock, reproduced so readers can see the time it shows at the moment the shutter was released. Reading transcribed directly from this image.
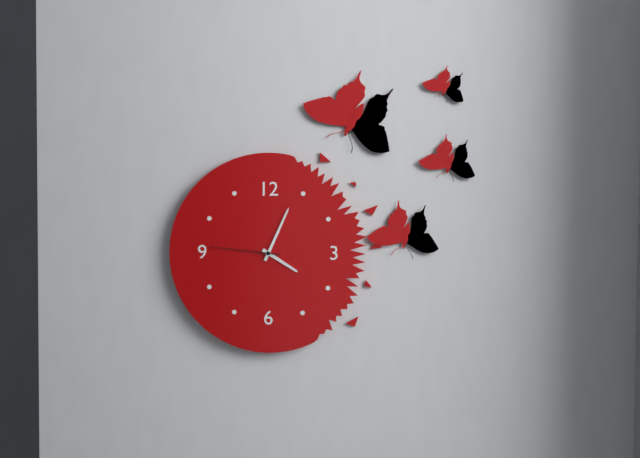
4:04:46
